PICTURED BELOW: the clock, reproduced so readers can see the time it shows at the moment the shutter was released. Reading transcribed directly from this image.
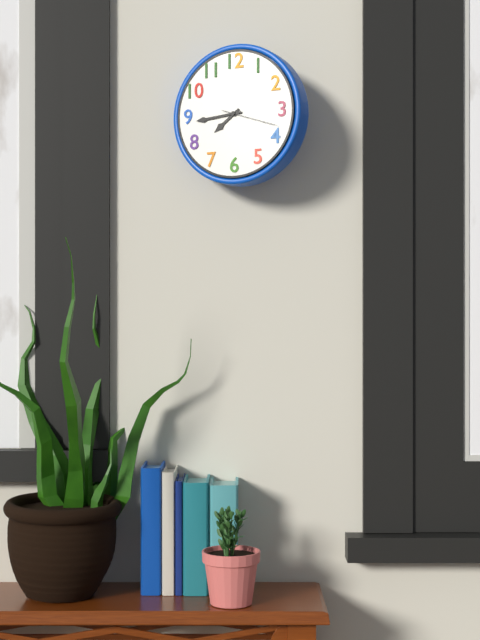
7:44:18
